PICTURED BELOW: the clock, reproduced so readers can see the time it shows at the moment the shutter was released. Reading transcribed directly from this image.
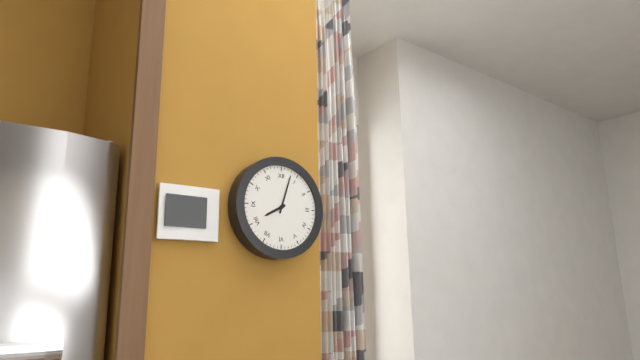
8:03
